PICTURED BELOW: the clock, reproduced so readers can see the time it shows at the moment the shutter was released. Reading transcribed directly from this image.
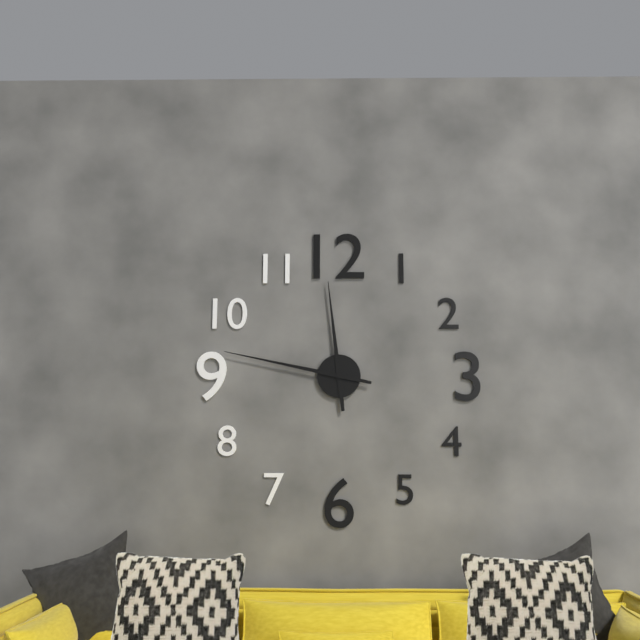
11:47
